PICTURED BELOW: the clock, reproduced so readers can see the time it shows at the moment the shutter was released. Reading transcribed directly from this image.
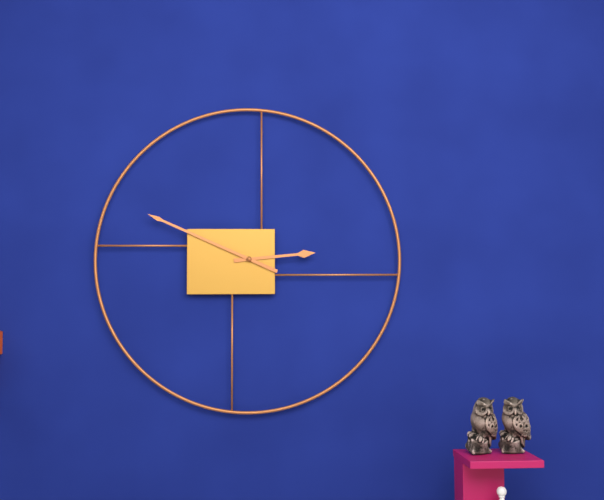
2:49
